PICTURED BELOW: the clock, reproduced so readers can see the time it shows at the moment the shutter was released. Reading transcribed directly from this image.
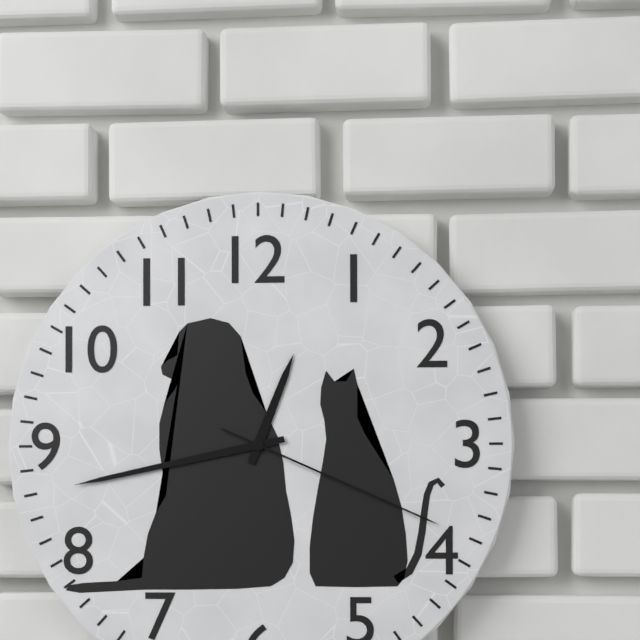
12:43:19
